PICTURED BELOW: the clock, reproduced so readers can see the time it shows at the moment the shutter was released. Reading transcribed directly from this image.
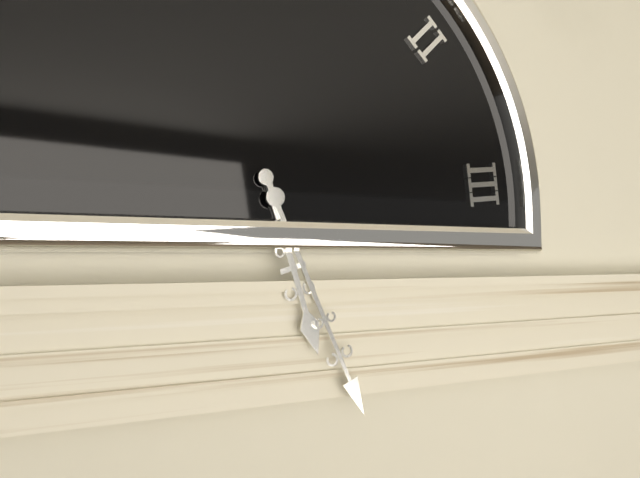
5:26
